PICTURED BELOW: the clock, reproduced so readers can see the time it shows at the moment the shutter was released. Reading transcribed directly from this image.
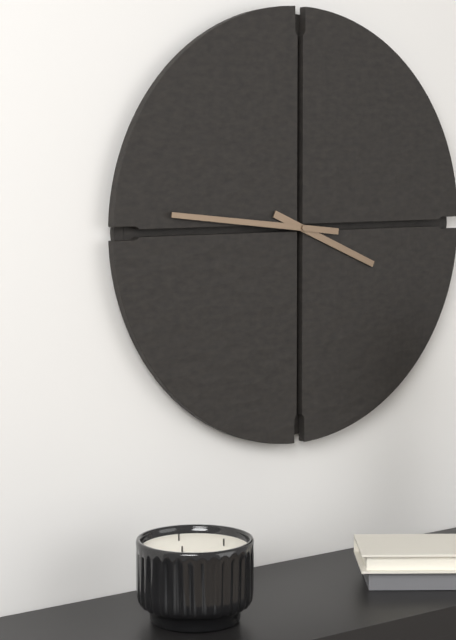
3:46
